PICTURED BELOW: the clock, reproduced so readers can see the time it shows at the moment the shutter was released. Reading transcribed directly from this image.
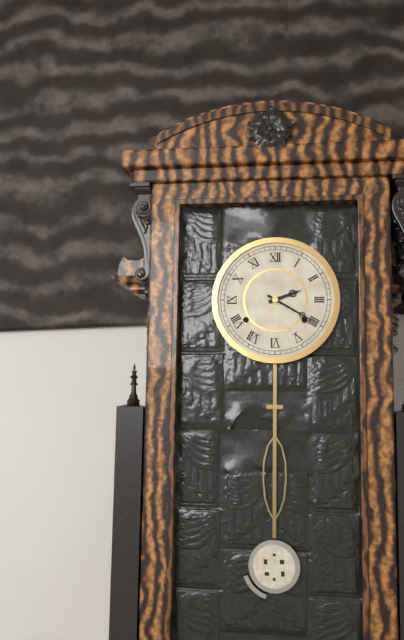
2:20
